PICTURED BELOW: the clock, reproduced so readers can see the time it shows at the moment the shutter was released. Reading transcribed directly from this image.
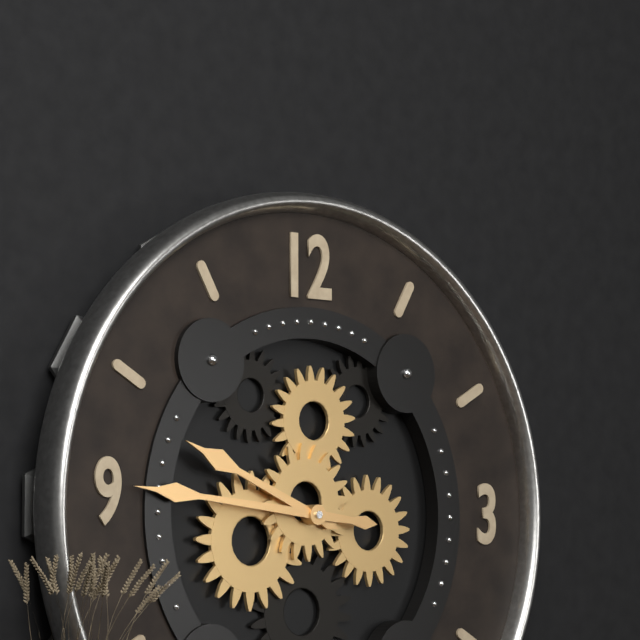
9:46
